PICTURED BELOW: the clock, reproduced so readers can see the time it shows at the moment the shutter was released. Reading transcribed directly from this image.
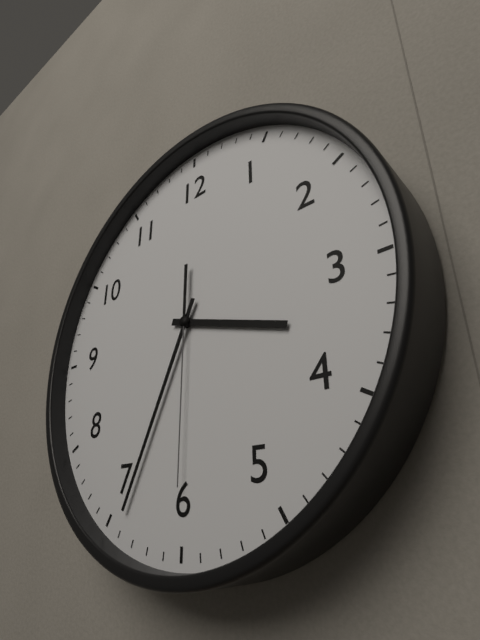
3:34:30
